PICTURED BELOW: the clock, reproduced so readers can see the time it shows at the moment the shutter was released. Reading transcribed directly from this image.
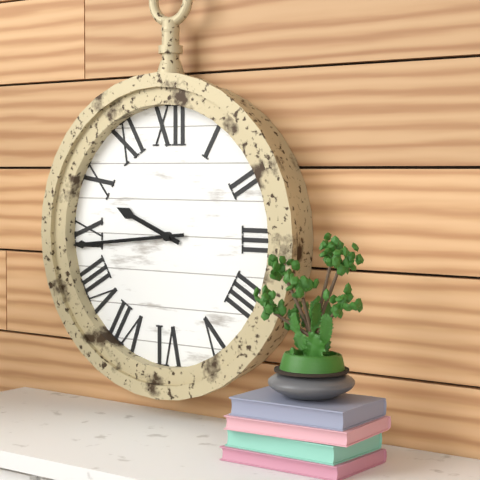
9:44
